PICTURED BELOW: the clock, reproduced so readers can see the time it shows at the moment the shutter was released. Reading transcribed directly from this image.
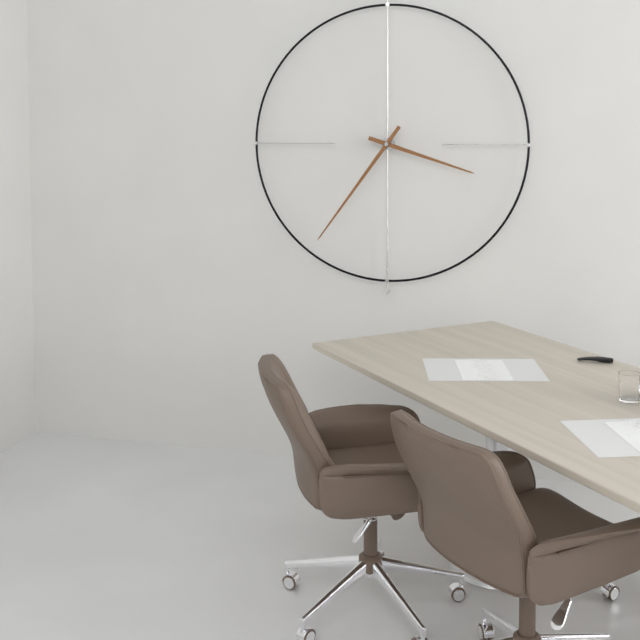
3:36
